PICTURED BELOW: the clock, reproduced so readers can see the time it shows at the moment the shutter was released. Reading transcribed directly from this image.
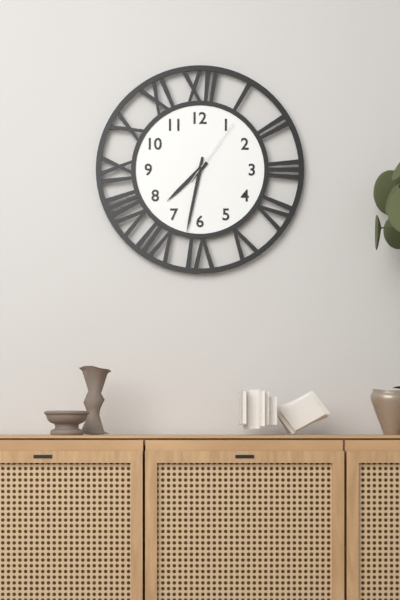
7:32:06
